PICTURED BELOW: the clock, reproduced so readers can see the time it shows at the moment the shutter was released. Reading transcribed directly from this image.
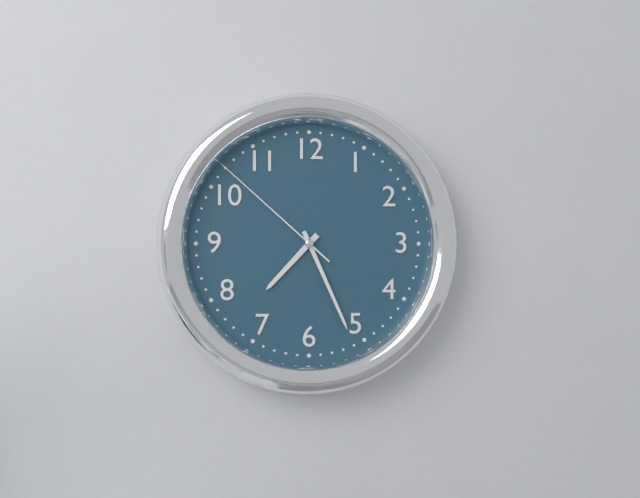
7:26:52
